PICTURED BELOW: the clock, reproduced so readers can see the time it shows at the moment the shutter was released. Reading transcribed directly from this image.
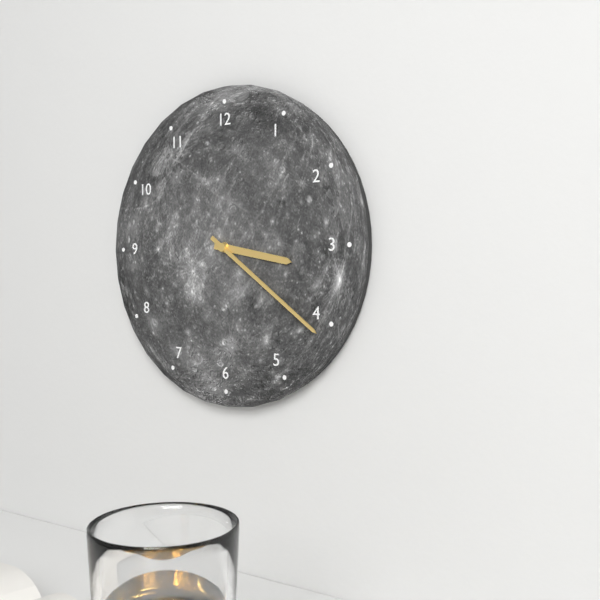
3:21
